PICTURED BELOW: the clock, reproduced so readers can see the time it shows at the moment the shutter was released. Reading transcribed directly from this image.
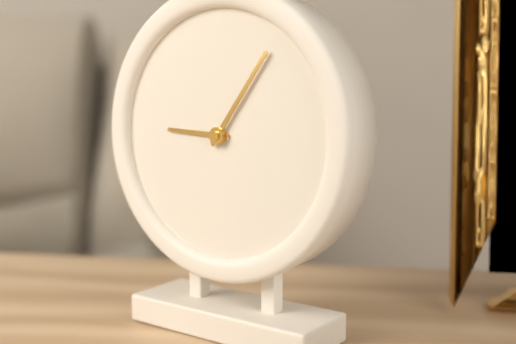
9:06
